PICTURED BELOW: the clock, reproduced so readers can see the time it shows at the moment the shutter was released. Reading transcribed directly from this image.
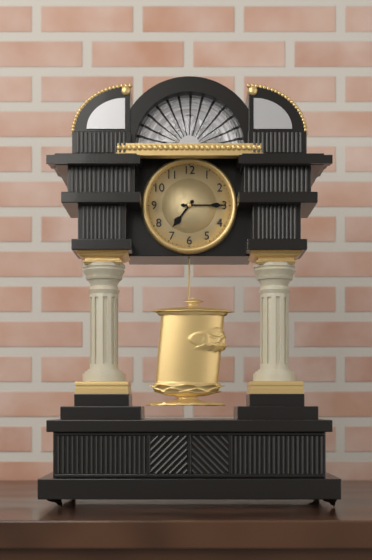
7:15
